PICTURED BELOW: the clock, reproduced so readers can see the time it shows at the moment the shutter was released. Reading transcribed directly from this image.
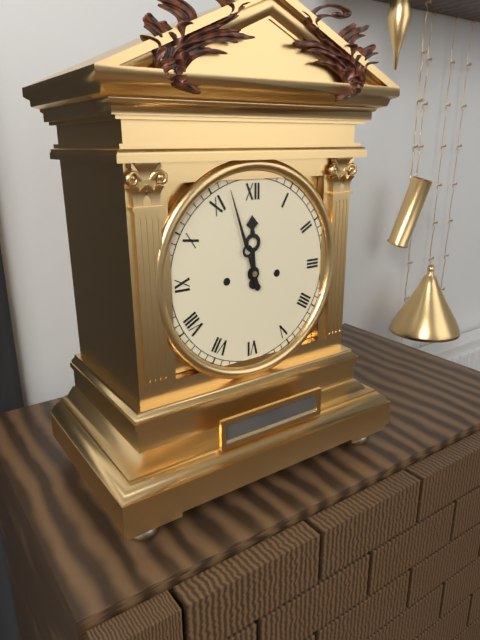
11:57
